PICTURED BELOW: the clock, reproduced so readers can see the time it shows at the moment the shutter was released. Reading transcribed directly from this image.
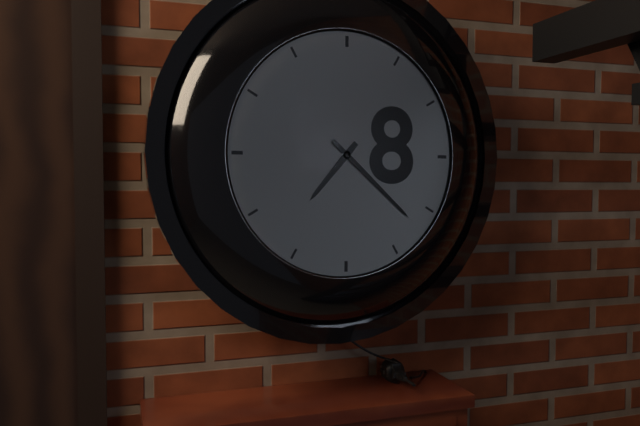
7:22
